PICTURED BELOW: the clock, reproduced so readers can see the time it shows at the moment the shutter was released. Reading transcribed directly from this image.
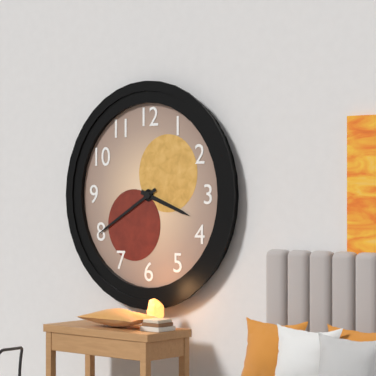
3:40
